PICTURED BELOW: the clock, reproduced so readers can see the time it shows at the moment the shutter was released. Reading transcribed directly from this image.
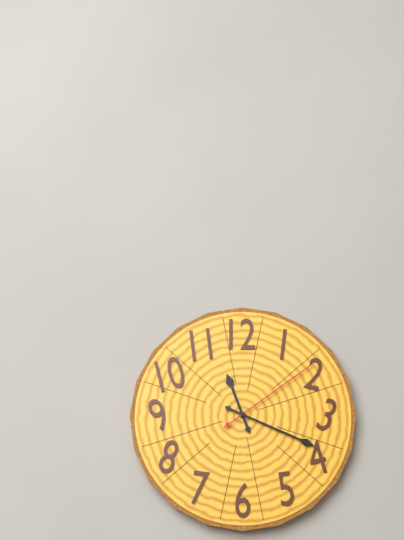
11:19:09
